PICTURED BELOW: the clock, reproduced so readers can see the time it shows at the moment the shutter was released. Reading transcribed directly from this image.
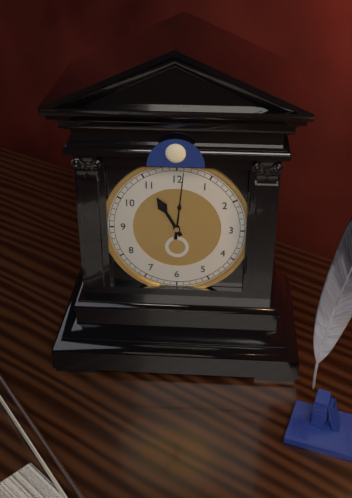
11:01
